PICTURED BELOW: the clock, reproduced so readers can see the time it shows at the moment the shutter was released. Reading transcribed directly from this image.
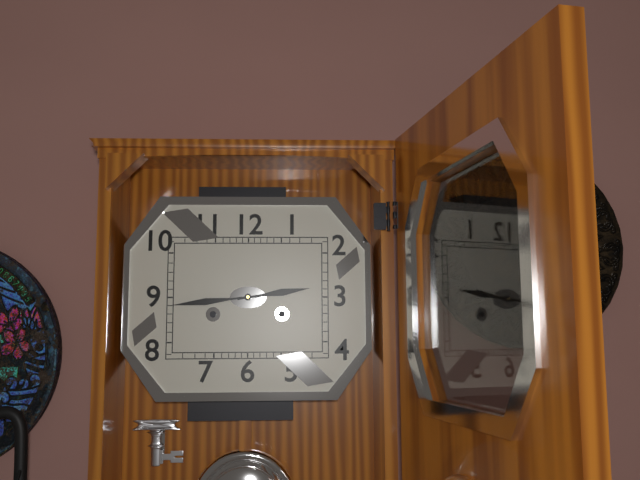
2:44
